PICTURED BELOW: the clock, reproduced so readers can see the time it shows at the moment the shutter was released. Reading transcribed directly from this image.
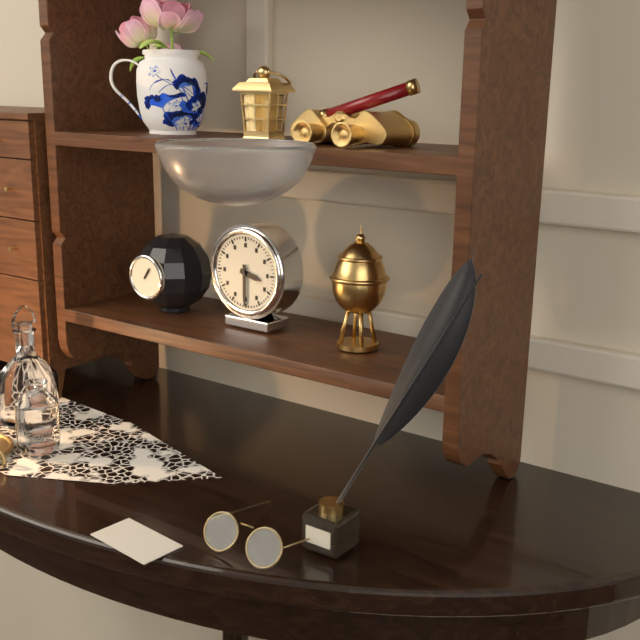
3:30
